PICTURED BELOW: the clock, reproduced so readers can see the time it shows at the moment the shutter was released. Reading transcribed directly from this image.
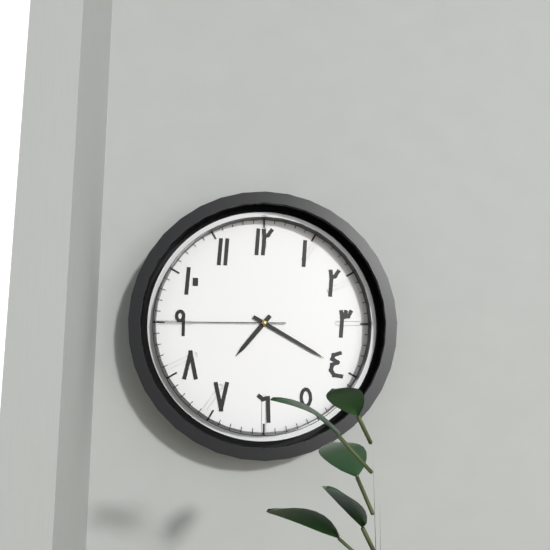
7:20:45
